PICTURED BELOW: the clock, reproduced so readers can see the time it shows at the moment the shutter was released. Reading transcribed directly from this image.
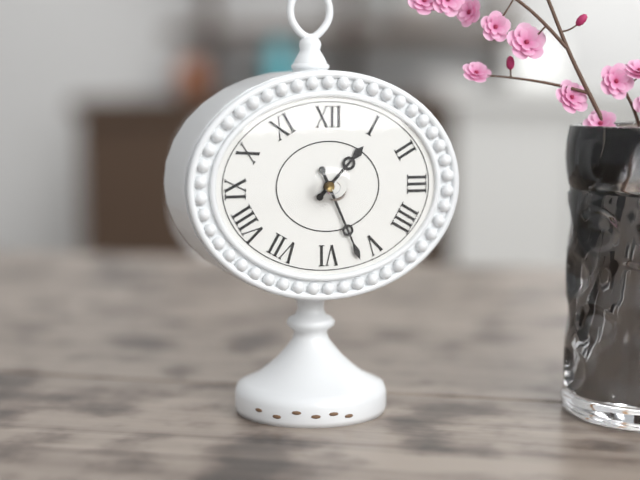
1:26
